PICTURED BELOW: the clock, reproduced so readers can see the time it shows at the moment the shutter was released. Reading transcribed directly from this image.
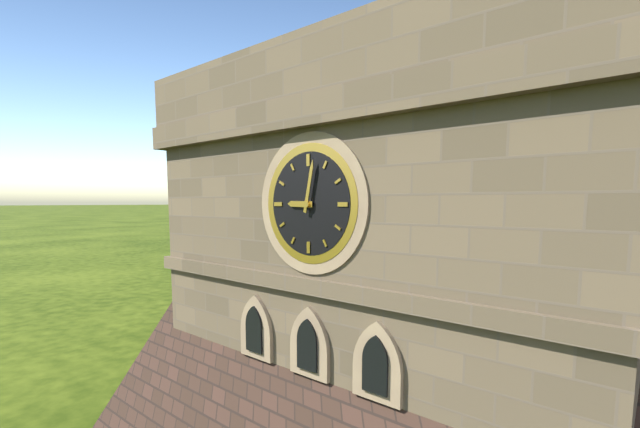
9:02
